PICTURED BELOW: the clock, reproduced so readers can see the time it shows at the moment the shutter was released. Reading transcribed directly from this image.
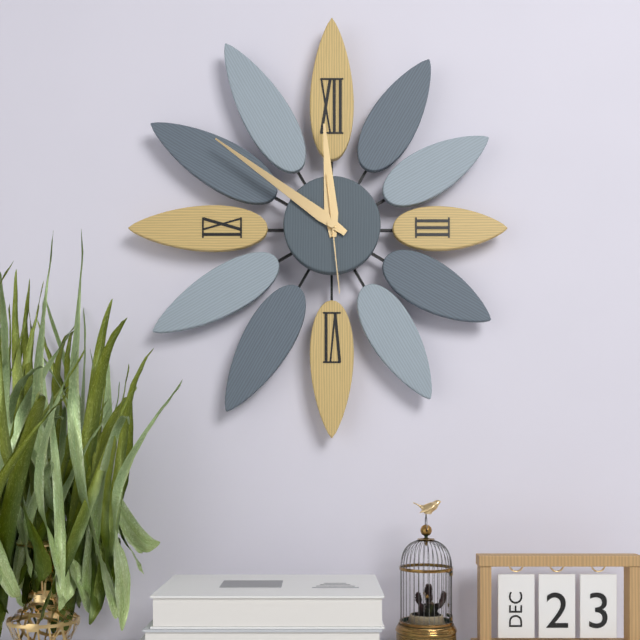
11:51:29
